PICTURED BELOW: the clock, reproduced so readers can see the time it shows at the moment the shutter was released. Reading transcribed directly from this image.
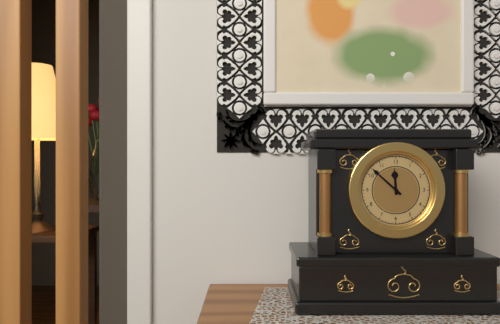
11:52
